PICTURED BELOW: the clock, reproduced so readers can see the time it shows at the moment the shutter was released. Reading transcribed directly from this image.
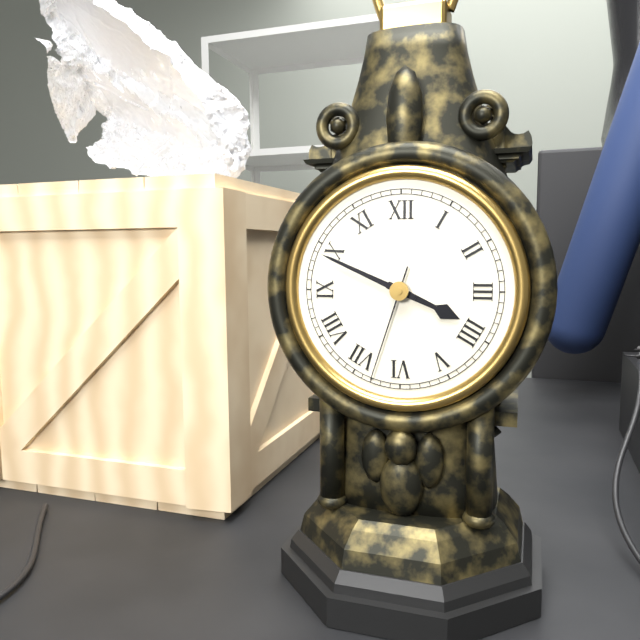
3:49:33
